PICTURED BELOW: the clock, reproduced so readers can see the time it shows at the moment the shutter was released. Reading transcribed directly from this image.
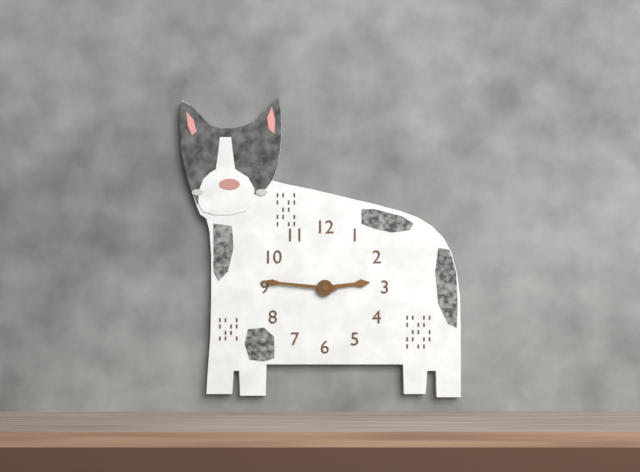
2:46
